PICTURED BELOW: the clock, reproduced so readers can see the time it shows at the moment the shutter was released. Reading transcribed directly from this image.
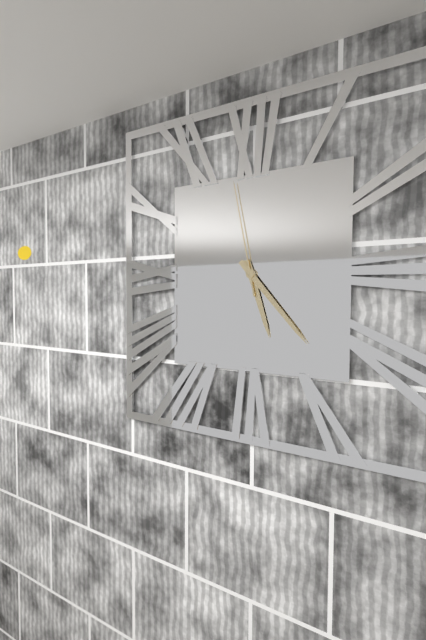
5:23:58
